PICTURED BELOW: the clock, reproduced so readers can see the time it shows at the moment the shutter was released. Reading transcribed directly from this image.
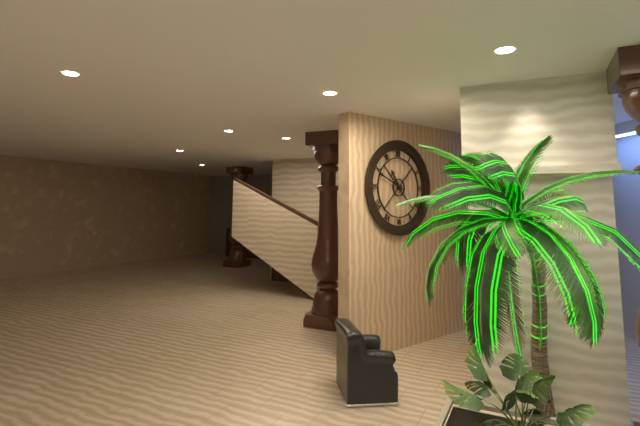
10:49
